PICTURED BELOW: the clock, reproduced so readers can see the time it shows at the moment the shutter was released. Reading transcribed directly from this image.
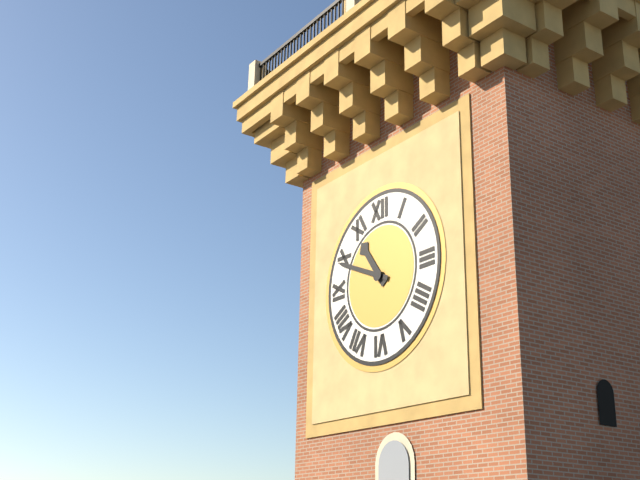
10:49
